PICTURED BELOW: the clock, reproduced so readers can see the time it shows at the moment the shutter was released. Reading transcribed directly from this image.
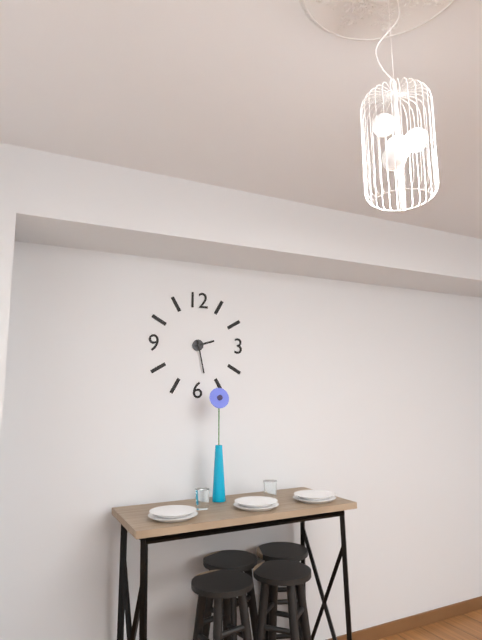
2:28
